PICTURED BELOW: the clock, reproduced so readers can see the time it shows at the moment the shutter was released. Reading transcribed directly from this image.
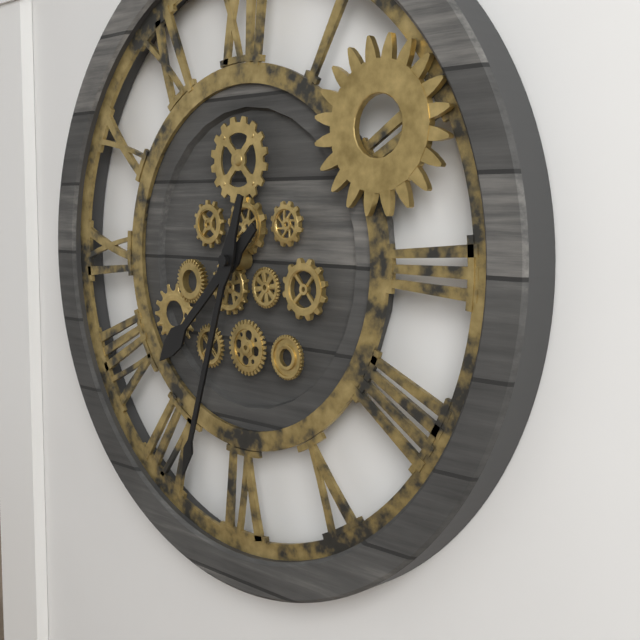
7:33
